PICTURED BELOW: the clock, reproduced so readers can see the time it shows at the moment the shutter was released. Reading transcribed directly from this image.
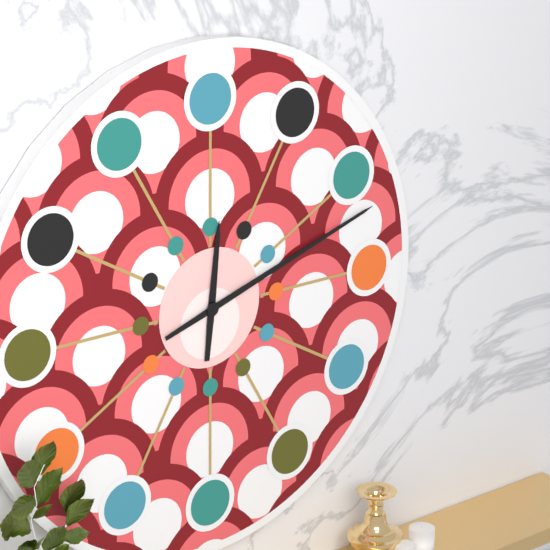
12:12
